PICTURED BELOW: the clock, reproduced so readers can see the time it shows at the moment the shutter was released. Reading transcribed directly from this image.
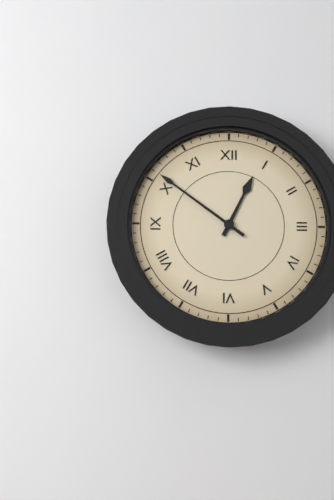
12:51
